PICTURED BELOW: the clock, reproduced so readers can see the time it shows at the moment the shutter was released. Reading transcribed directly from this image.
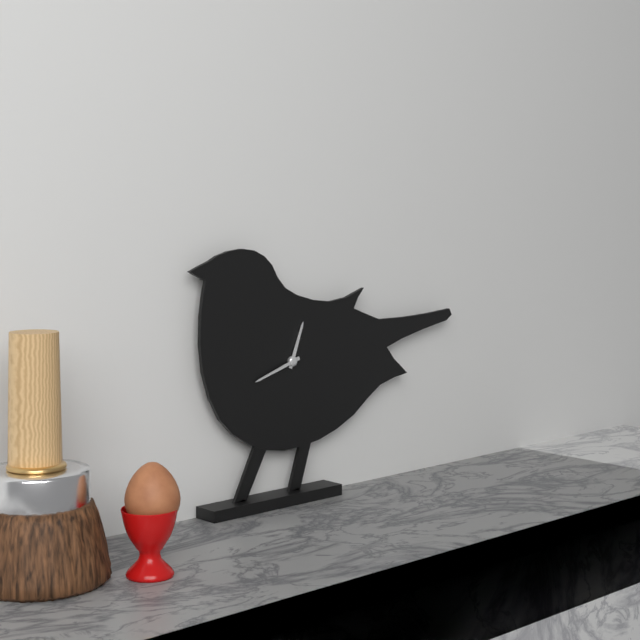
12:42
